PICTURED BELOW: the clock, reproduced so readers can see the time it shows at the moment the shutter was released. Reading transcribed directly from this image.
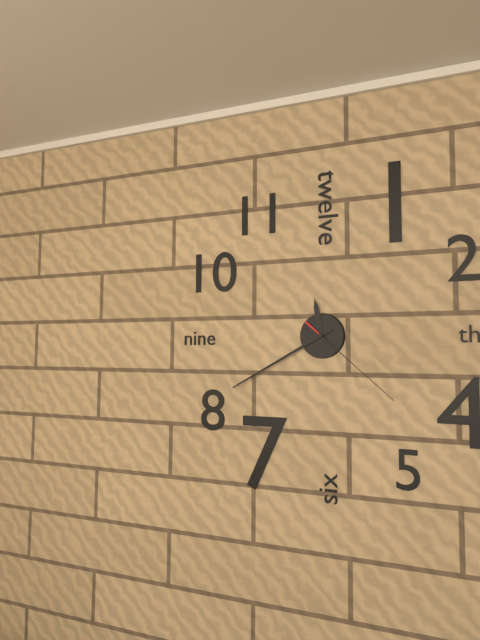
11:40:22
